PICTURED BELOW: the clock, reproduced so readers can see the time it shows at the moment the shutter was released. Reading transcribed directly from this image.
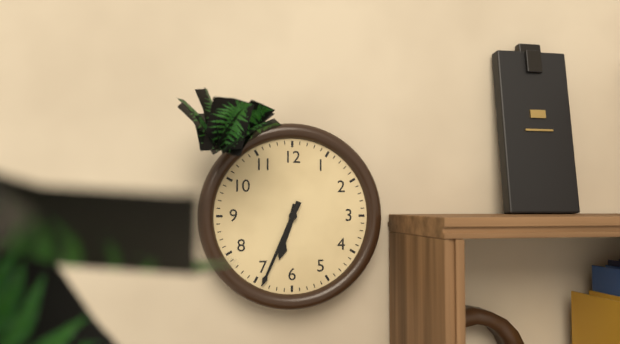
6:34
